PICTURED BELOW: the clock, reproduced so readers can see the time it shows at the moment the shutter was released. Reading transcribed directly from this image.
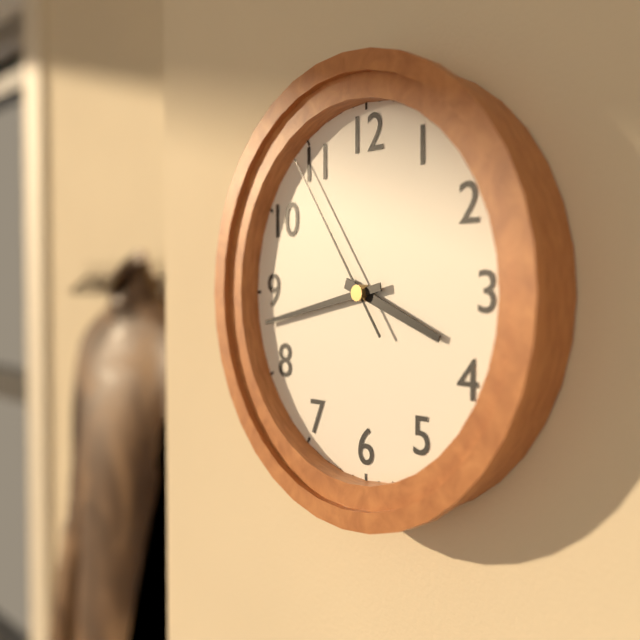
3:43:54
